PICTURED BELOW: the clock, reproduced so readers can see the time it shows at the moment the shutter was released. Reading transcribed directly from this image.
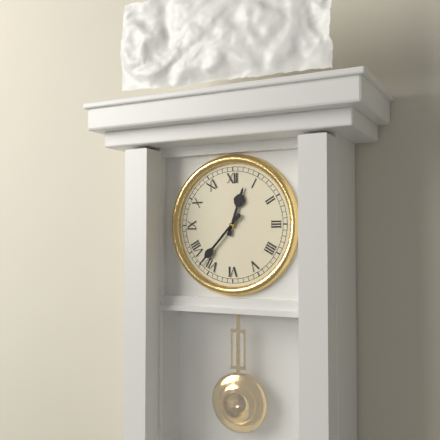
12:37
